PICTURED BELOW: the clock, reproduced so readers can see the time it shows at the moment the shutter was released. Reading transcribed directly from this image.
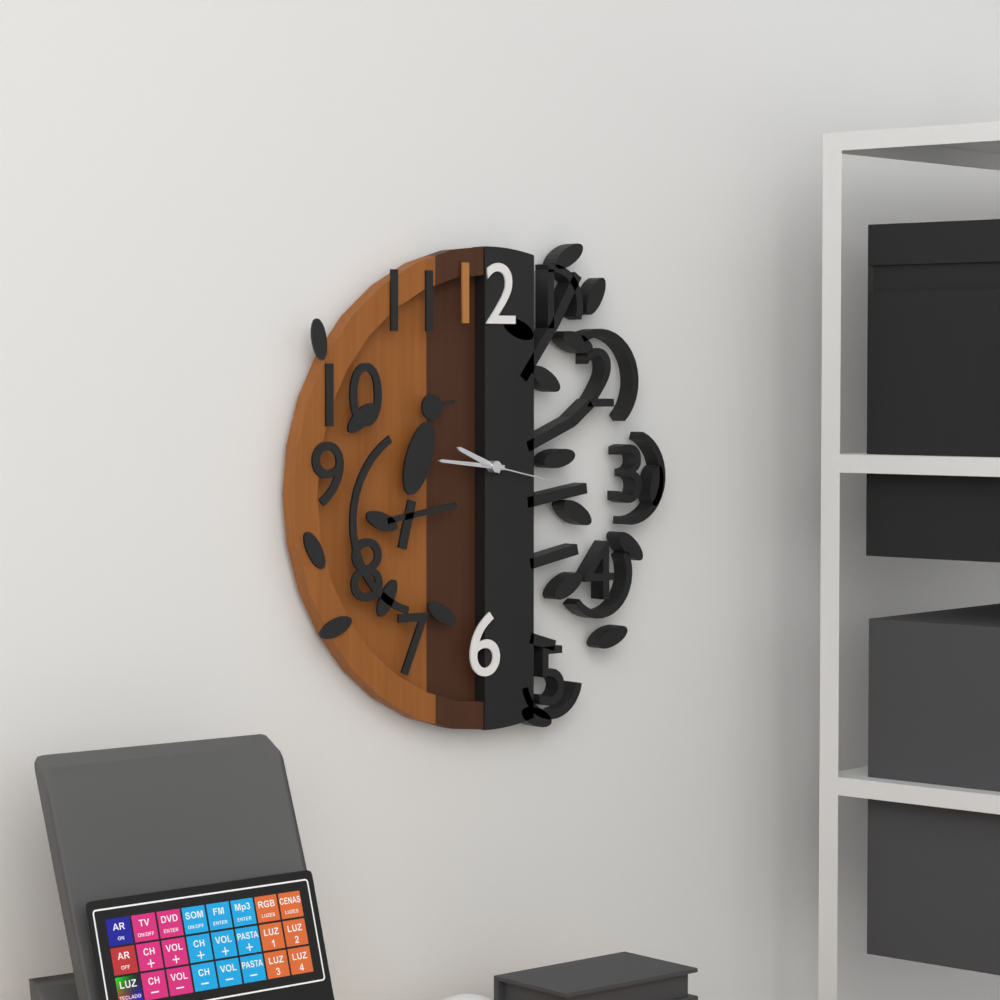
9:46:17
